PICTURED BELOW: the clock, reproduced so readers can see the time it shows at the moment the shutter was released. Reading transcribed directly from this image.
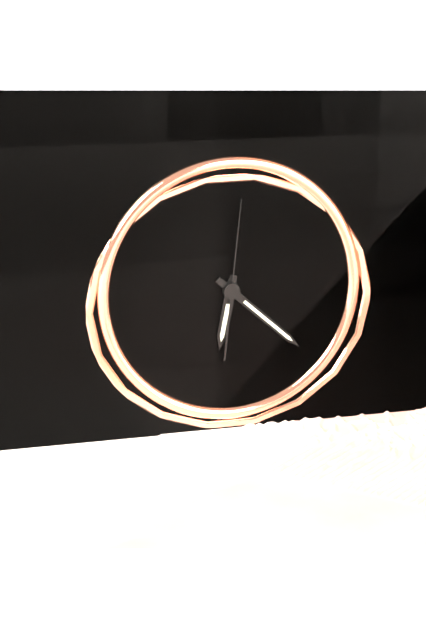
6:22:01
